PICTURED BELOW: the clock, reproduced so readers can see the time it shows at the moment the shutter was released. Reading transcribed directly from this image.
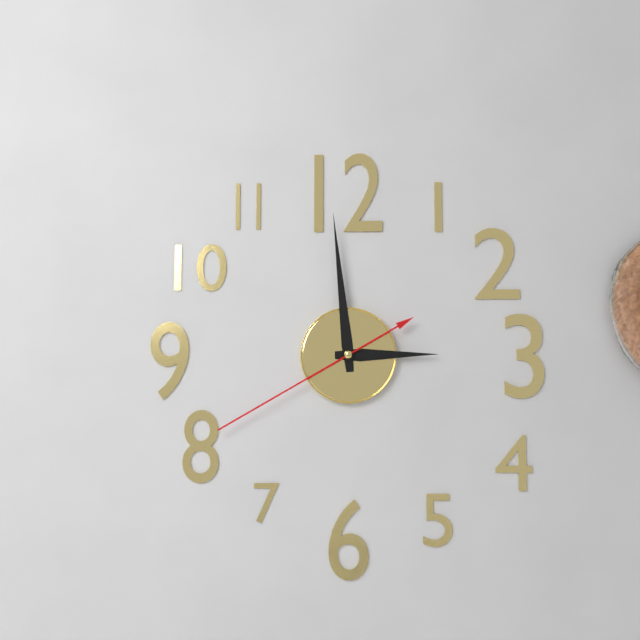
2:59:40
